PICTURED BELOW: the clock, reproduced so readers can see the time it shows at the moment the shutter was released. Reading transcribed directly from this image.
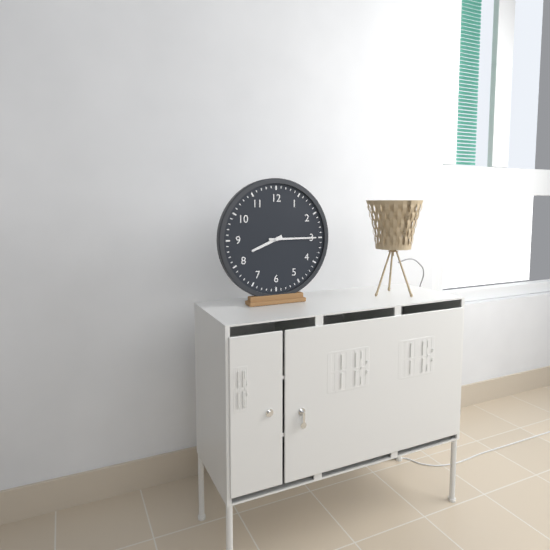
8:15
